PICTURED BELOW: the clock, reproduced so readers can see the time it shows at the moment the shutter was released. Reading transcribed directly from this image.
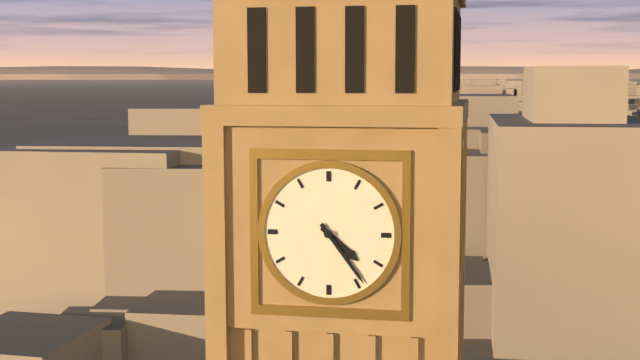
4:24
